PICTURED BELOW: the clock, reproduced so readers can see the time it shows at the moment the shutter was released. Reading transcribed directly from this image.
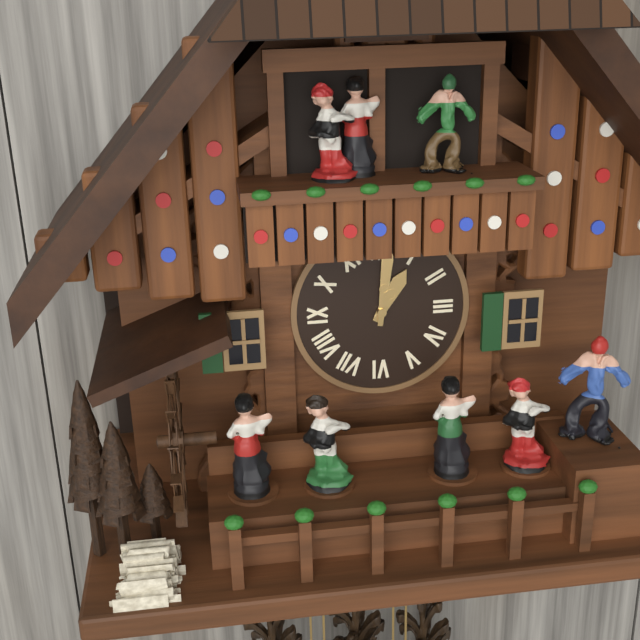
1:01
